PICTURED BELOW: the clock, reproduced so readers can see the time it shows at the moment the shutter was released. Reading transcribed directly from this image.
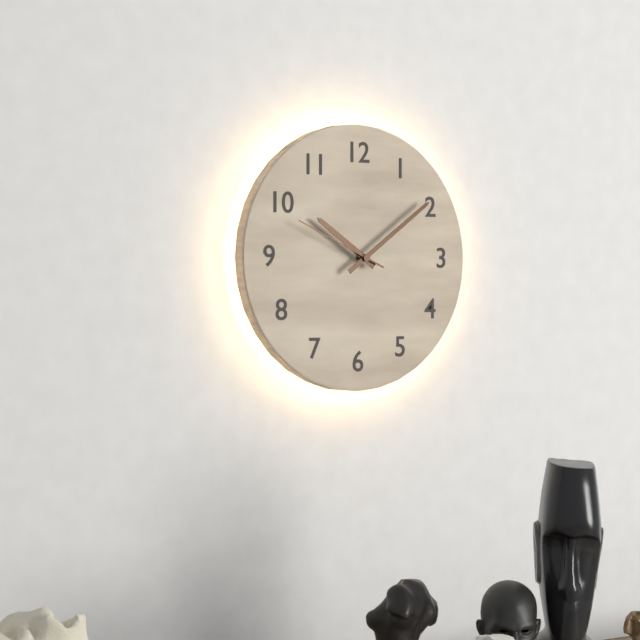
10:09:49
